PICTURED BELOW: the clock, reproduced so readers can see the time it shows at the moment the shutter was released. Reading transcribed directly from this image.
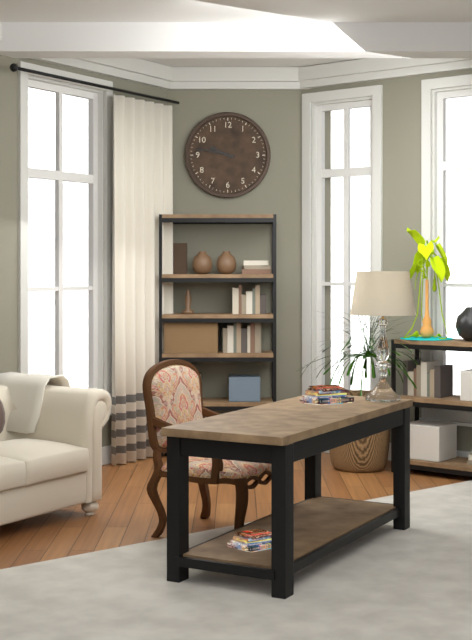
9:47
